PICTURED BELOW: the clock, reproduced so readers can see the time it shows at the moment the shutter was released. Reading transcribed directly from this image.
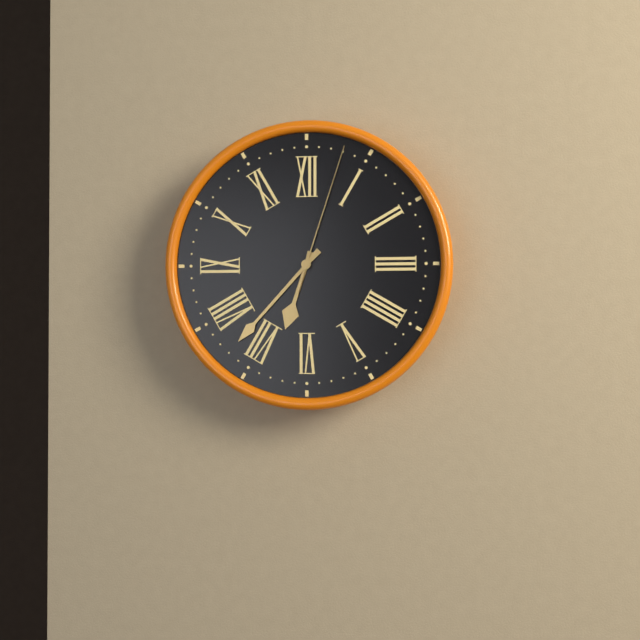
6:37:03
